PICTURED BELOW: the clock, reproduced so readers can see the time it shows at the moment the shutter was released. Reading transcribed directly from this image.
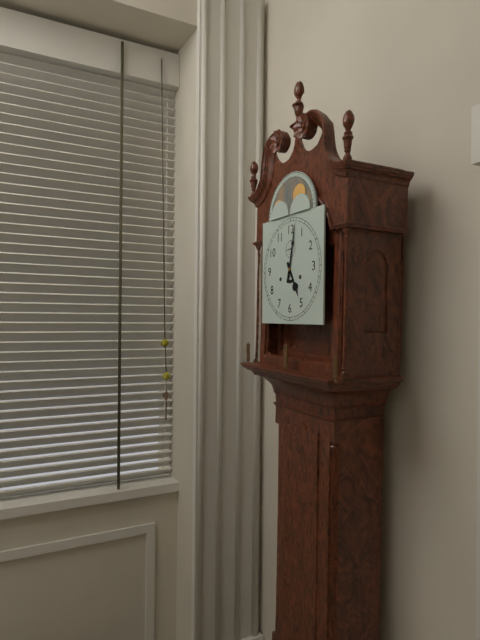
5:02
